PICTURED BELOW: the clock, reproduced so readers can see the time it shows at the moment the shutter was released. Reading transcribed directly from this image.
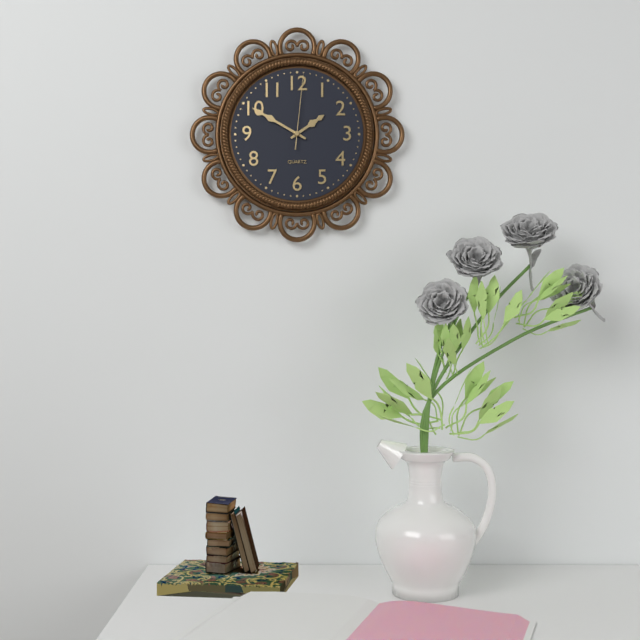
1:50:01
